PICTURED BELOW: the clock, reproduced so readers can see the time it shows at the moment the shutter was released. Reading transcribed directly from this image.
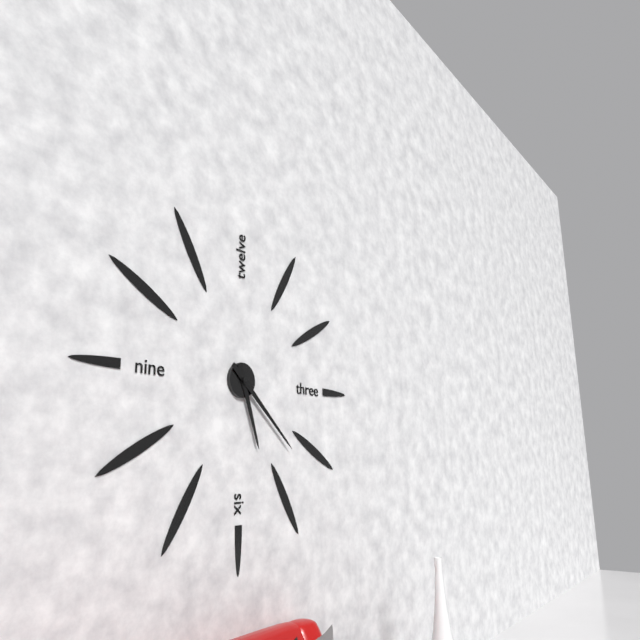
5:22
